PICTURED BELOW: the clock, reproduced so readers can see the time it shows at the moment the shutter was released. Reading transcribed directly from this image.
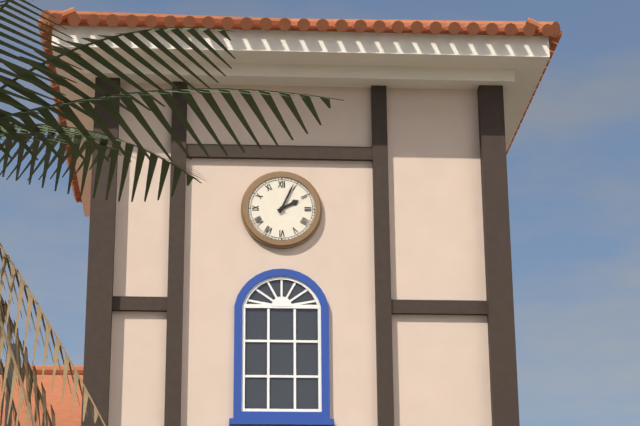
2:04
